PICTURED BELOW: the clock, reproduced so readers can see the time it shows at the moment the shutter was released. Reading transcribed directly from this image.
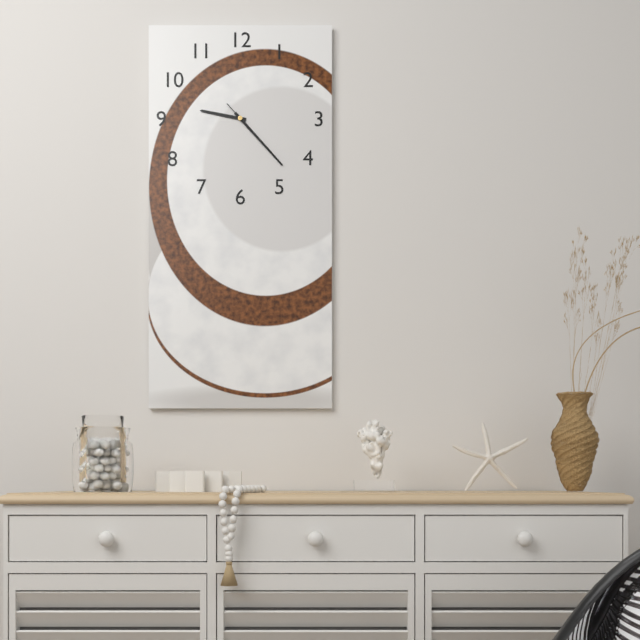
9:23:23
